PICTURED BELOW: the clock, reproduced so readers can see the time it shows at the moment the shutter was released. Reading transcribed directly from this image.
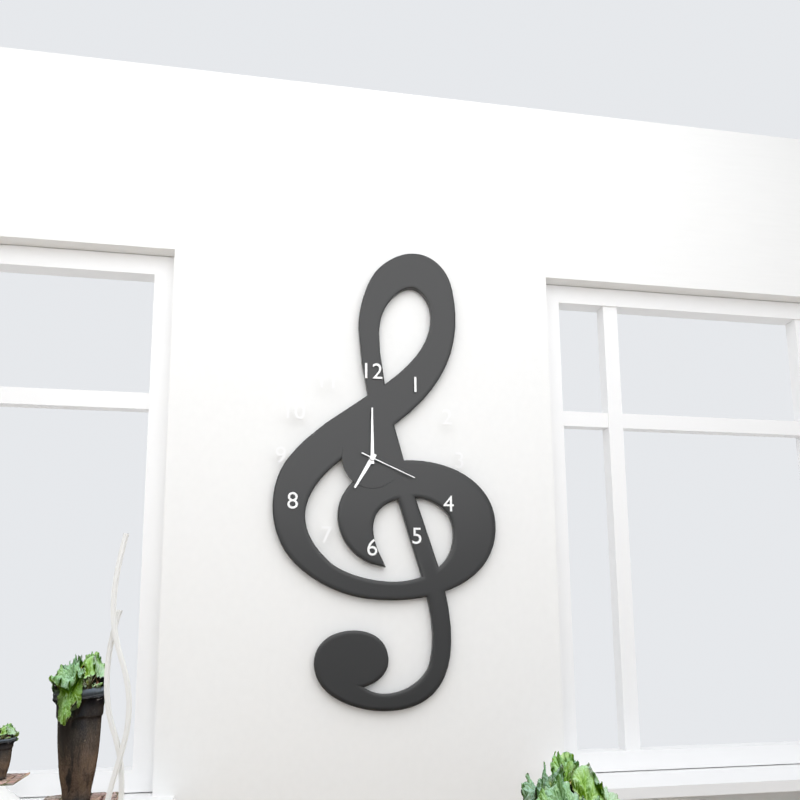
7:00:19
